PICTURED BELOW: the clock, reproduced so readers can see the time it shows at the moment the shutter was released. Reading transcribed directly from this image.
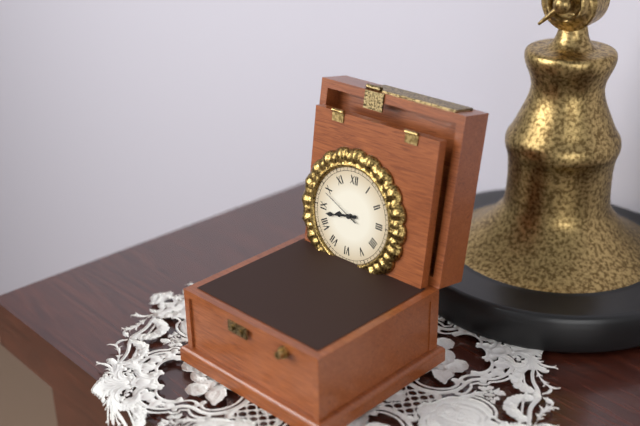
8:43
